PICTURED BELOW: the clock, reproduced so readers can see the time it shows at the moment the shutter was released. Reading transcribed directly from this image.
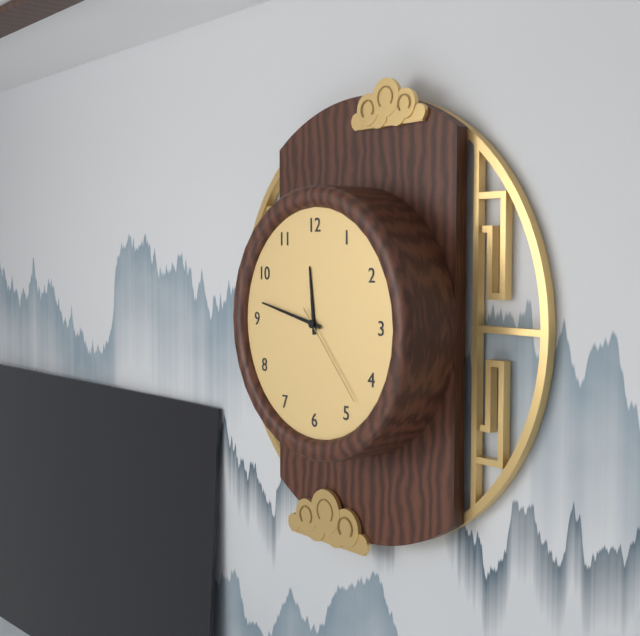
11:47:23
